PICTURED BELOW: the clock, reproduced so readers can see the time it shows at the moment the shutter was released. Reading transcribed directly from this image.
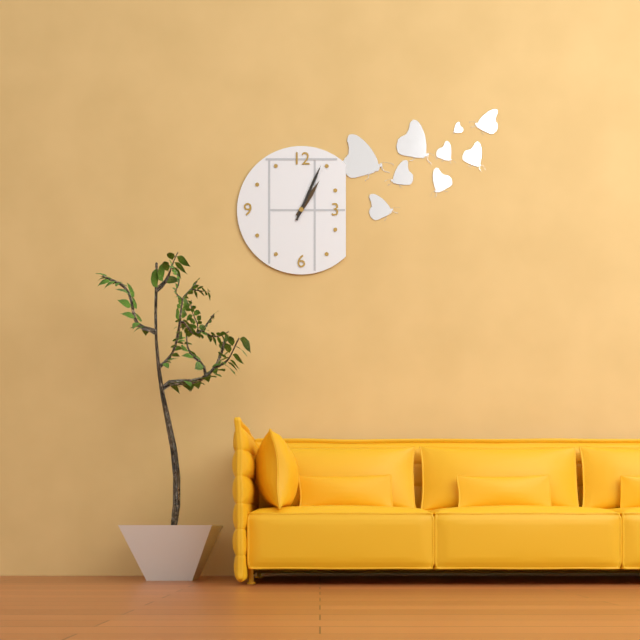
1:04
